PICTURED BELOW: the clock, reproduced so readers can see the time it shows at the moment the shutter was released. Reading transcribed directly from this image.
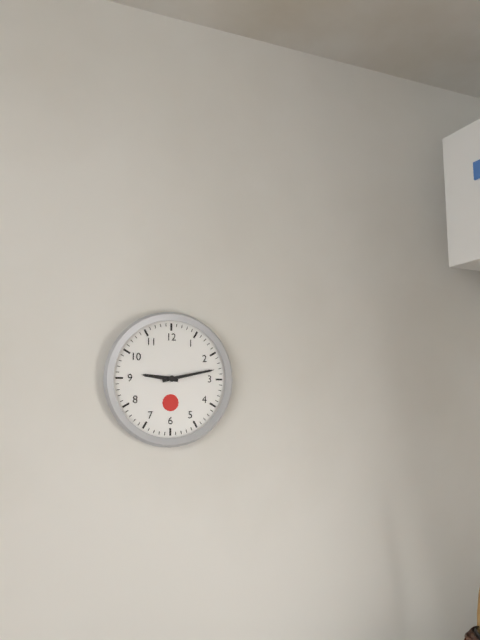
9:13
